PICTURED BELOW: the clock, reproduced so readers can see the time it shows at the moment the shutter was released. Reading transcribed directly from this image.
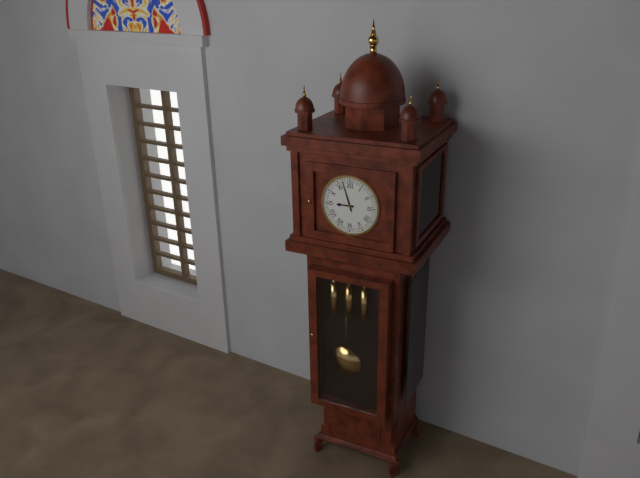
8:57
